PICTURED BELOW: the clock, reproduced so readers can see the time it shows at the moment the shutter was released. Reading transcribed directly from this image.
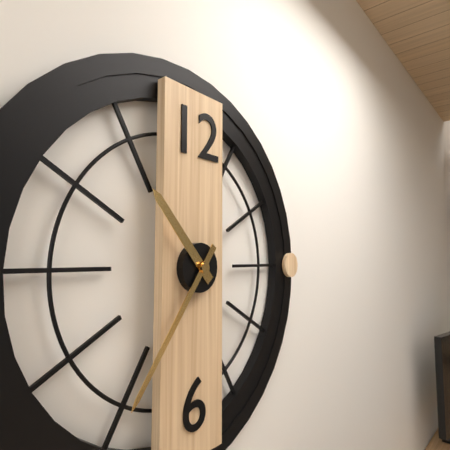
10:36
